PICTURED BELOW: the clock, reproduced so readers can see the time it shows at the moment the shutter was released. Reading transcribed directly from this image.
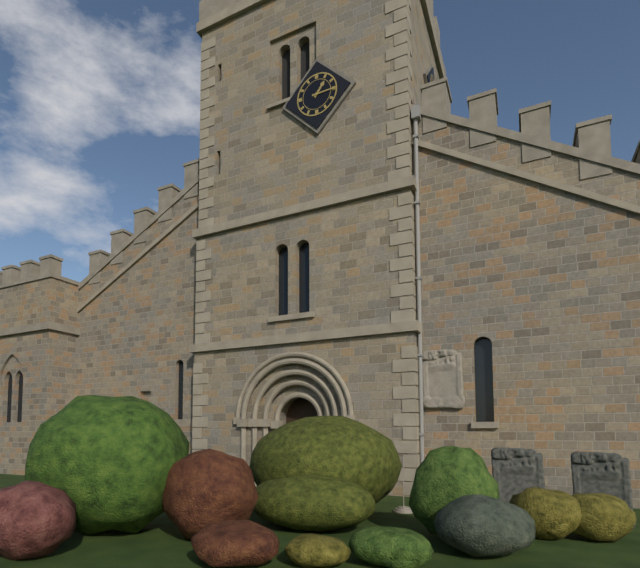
1:15
